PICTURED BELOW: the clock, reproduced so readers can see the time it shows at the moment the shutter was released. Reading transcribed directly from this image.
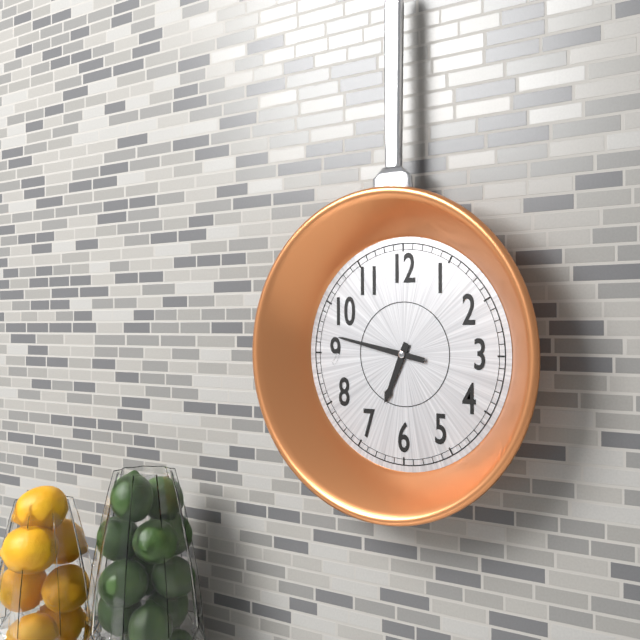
6:47
